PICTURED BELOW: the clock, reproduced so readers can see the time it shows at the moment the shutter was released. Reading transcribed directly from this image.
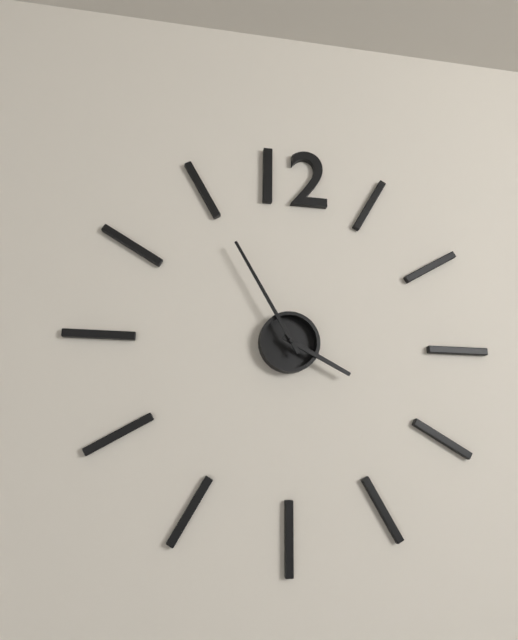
3:55
